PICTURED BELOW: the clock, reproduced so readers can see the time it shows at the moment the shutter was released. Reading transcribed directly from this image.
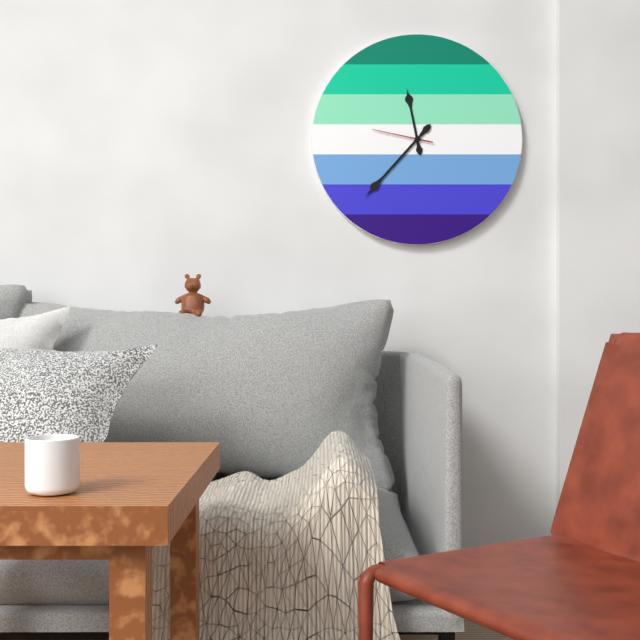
11:37:47
